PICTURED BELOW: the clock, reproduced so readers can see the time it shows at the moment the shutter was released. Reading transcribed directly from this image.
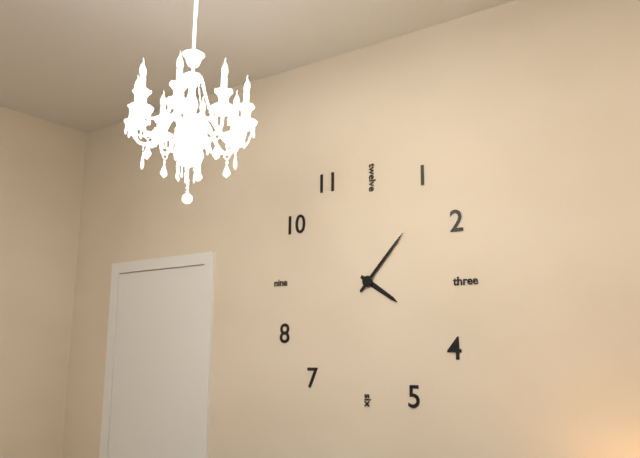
4:07
